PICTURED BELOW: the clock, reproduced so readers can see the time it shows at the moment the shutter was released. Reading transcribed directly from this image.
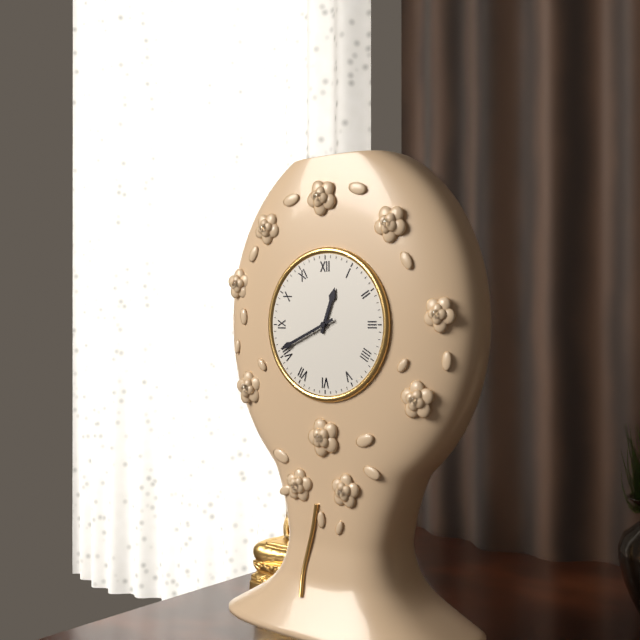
12:41
